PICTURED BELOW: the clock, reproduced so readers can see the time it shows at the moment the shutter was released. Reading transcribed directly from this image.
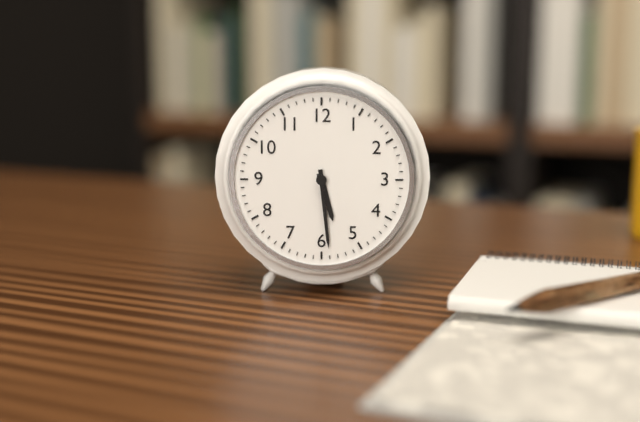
5:29
